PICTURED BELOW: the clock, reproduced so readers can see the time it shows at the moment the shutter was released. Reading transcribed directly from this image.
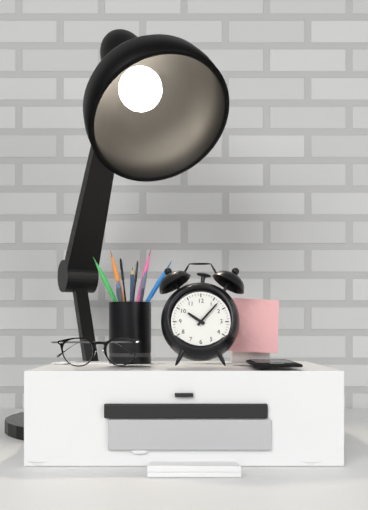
10:07
